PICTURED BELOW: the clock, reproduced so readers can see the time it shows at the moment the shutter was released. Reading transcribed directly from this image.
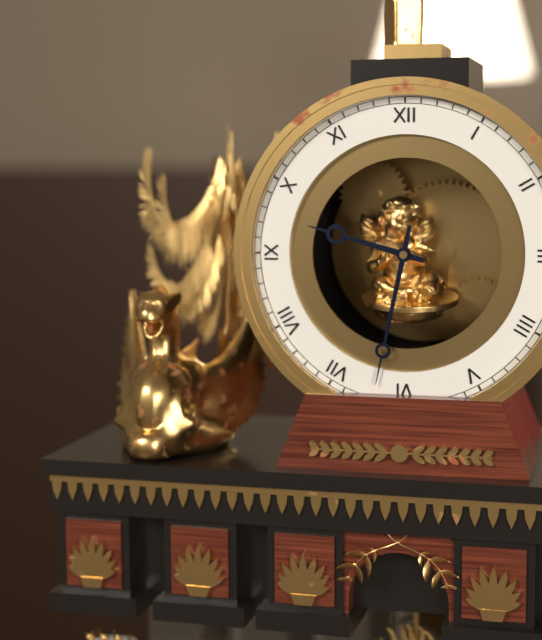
9:32
